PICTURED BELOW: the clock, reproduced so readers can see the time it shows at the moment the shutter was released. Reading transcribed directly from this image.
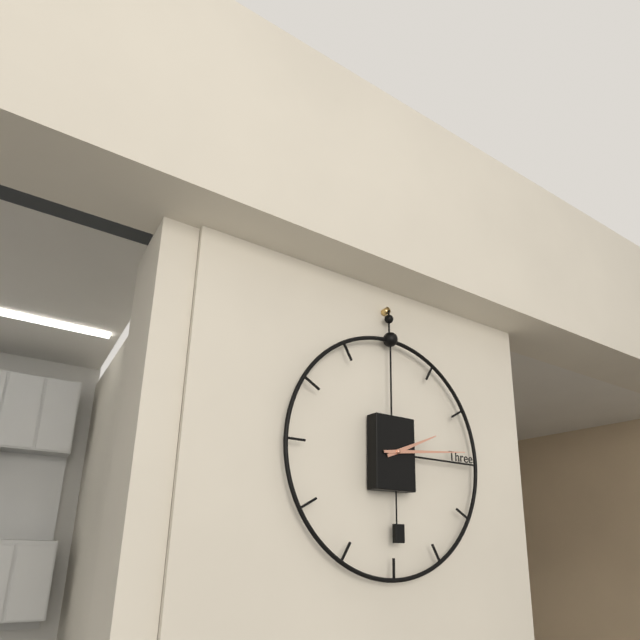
2:14
